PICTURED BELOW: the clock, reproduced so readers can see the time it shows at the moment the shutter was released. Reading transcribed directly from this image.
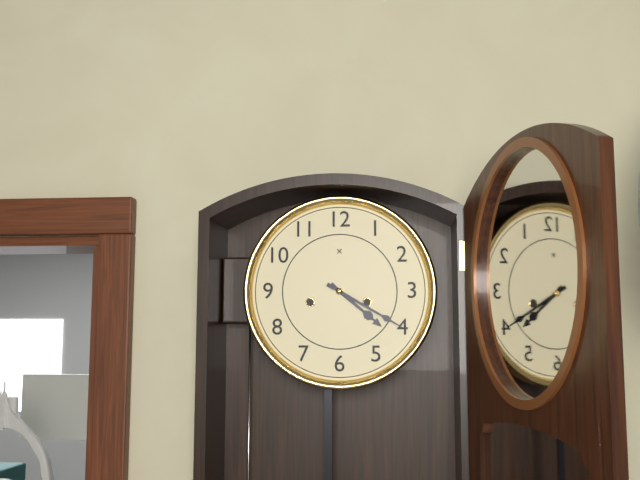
4:20
